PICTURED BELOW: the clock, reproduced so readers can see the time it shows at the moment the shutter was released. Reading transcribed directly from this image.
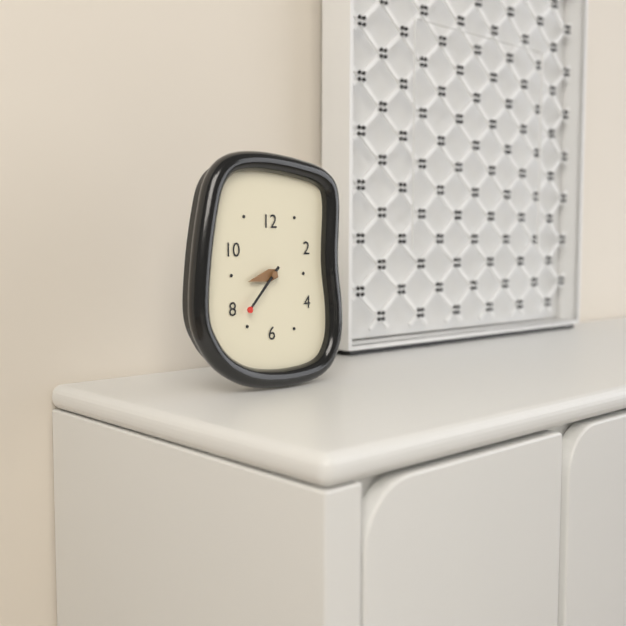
8:37
